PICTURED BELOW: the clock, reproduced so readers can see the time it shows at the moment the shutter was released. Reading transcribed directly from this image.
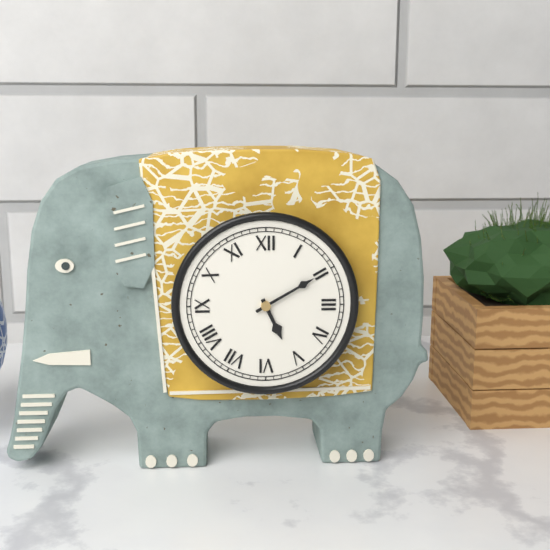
5:10
